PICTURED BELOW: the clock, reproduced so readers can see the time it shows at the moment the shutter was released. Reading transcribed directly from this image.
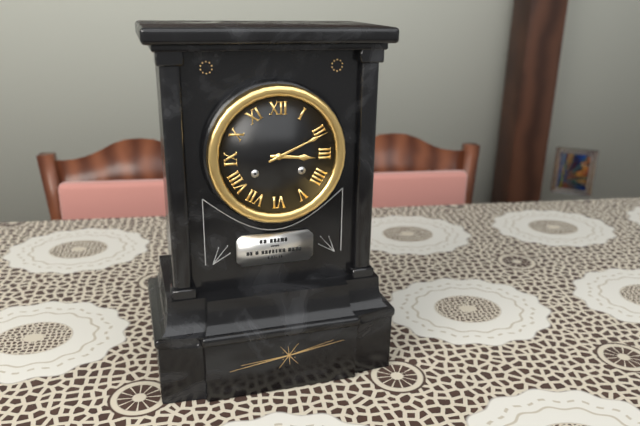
3:11
